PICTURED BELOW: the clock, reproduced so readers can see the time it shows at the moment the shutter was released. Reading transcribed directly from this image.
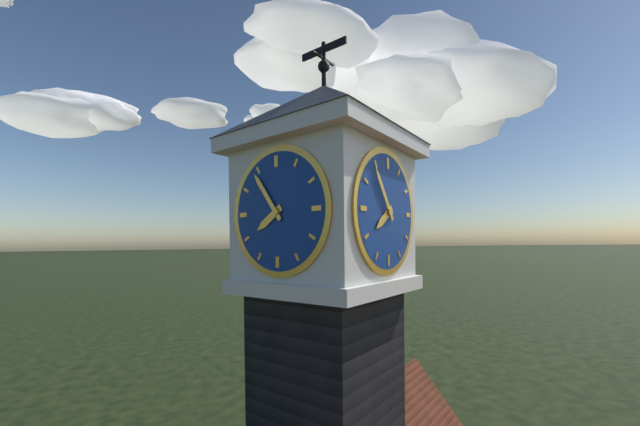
7:54
